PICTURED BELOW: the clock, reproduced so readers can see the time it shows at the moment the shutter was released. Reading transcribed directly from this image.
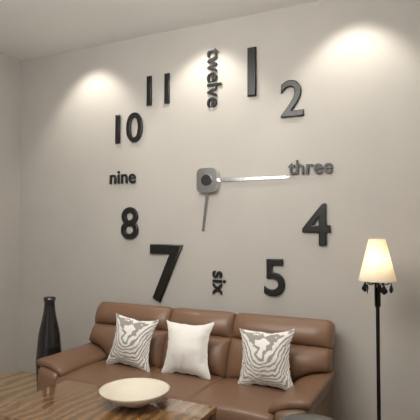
6:15
